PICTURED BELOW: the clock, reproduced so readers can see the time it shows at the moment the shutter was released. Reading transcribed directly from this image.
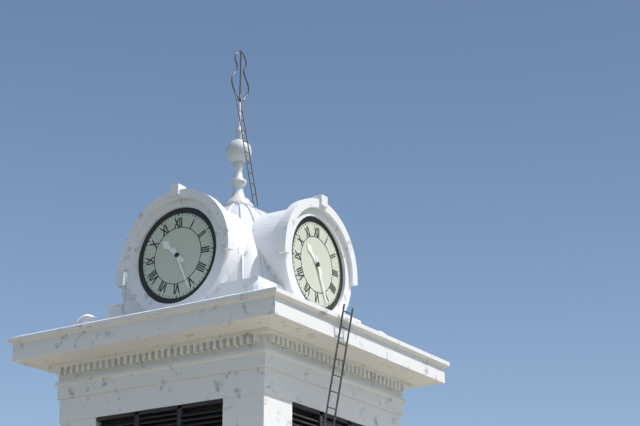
10:26
